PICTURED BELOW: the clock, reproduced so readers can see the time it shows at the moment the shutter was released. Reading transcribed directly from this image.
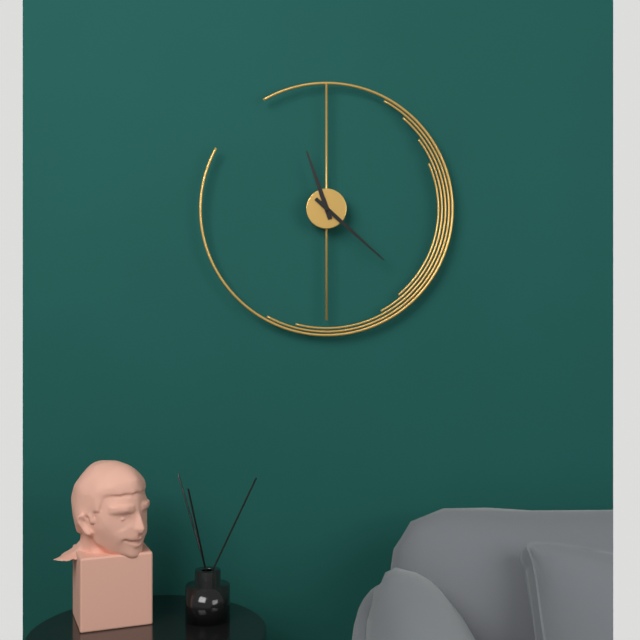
11:22
